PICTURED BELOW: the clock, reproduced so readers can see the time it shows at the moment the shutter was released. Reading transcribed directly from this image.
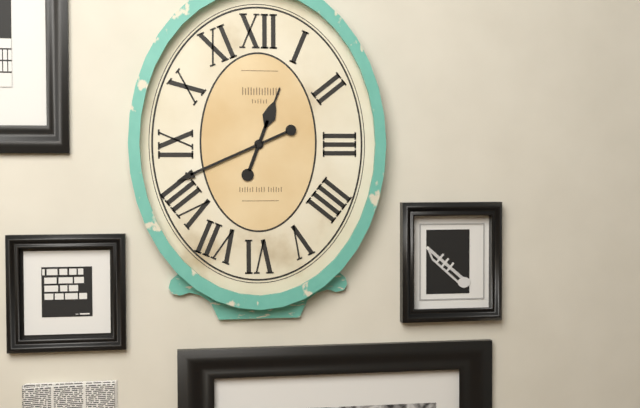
12:41
